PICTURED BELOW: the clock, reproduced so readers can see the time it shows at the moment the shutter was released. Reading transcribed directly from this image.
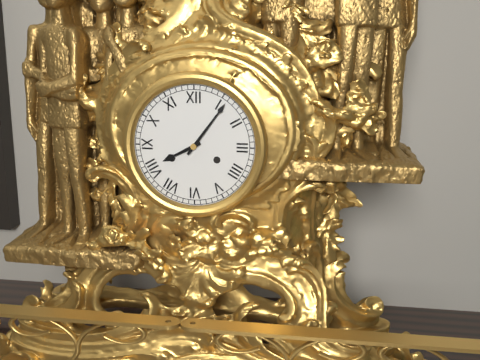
8:06
